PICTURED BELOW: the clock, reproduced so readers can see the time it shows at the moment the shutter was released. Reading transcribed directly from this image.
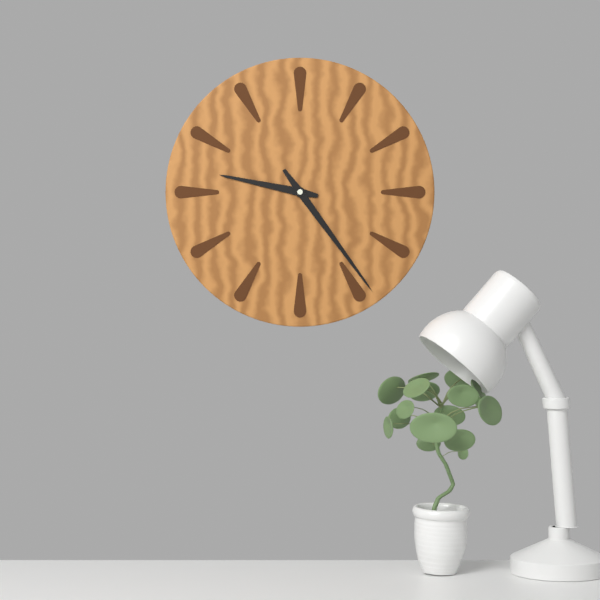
9:24
